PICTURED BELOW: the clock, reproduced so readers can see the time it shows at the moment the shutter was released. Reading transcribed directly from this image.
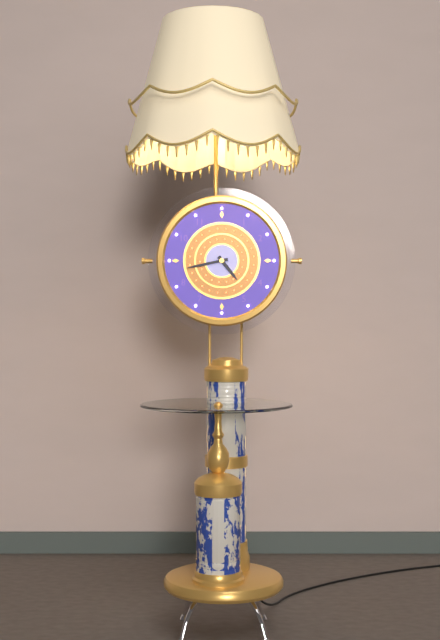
4:43
